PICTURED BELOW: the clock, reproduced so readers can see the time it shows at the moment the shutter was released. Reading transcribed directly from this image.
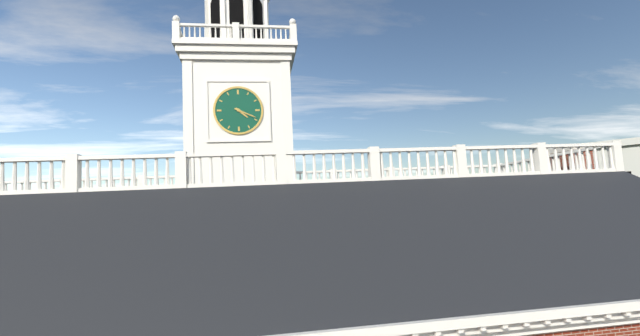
4:19
